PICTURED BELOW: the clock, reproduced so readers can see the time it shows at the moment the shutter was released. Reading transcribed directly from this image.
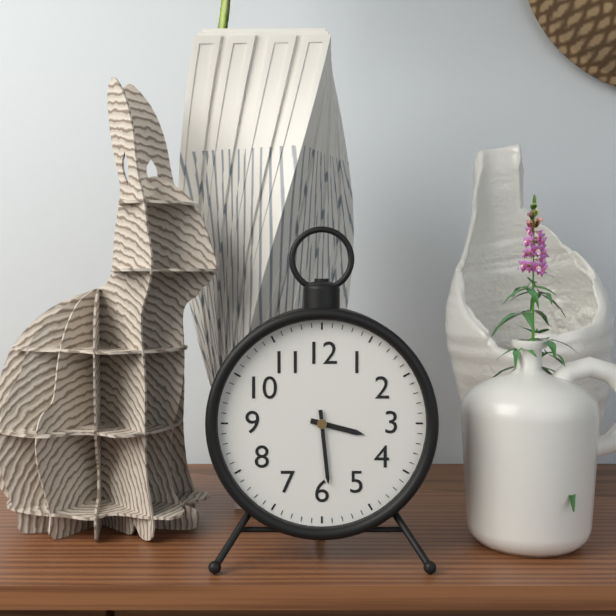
3:29
